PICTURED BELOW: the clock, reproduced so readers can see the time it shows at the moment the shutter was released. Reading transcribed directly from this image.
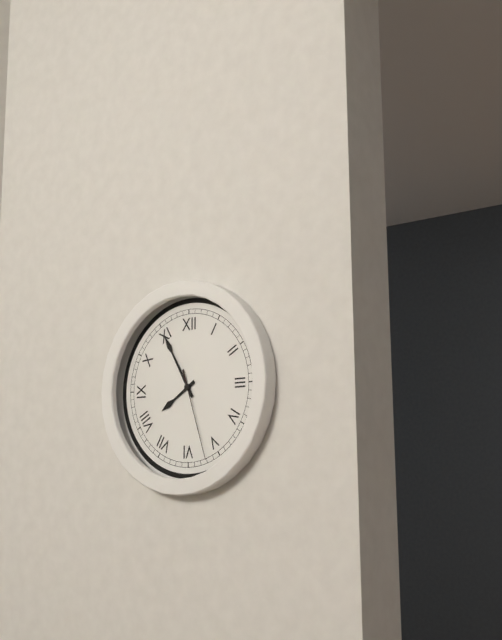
7:55:27
